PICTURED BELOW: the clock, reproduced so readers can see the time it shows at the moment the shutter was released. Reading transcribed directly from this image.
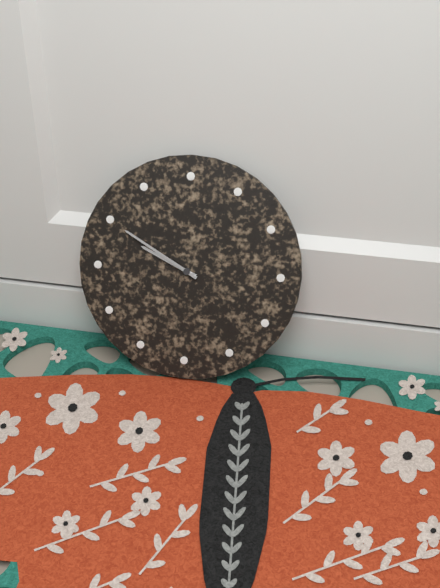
9:50
